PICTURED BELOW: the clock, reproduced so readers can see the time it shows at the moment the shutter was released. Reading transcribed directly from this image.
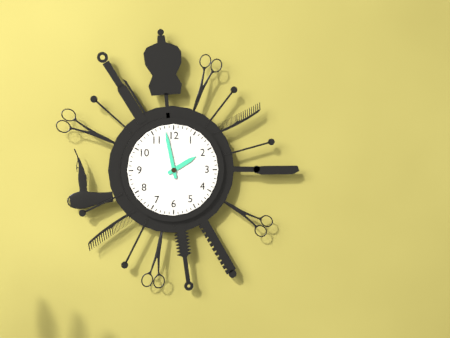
1:58
